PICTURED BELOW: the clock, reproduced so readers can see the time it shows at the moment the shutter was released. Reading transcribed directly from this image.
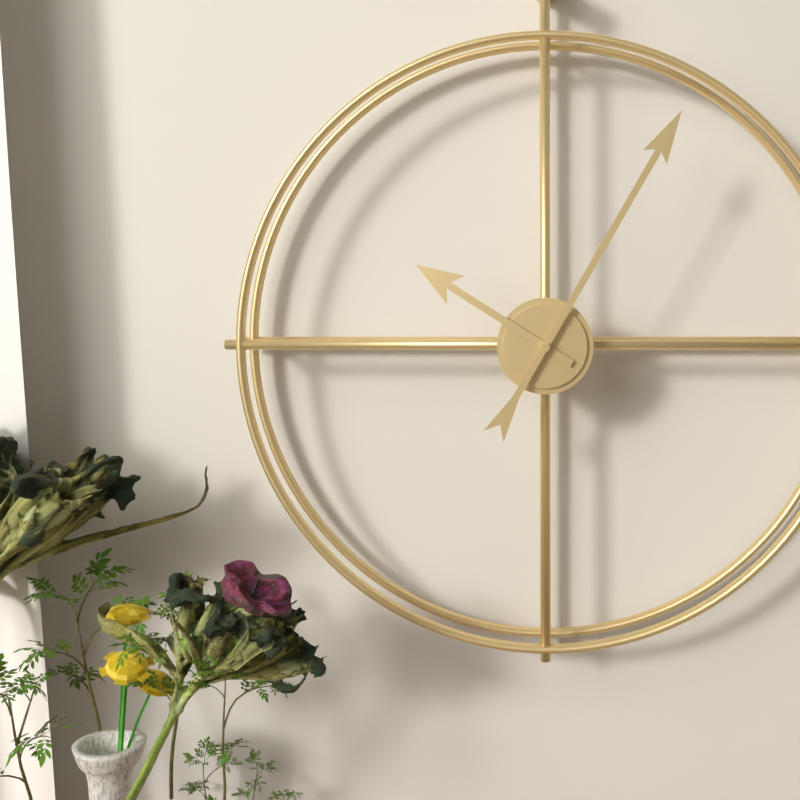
10:05
